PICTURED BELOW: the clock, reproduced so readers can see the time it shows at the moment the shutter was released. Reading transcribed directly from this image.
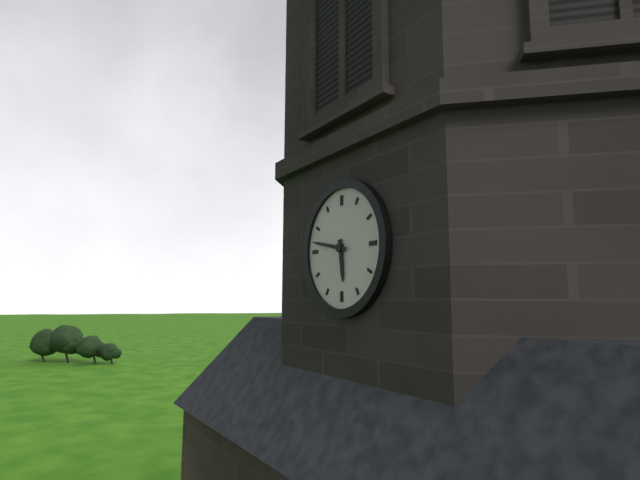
5:47
